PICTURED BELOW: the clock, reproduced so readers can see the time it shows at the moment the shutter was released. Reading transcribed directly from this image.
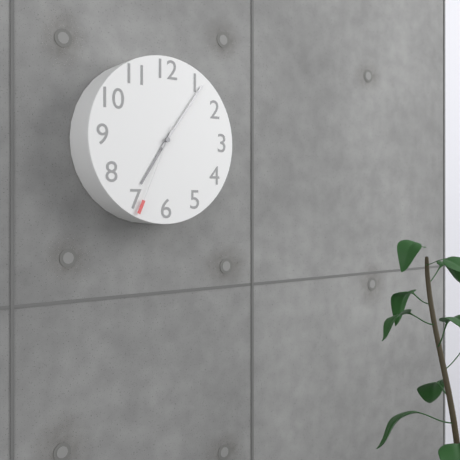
7:06:34
